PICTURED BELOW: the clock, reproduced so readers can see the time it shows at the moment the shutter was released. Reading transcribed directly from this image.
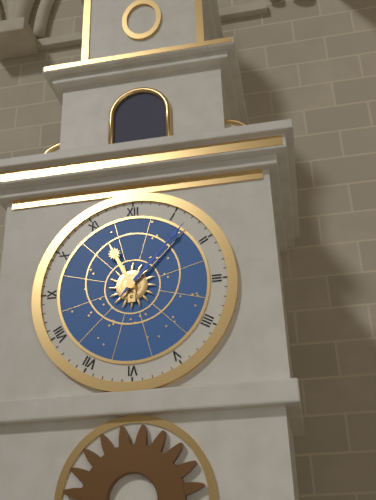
11:07
